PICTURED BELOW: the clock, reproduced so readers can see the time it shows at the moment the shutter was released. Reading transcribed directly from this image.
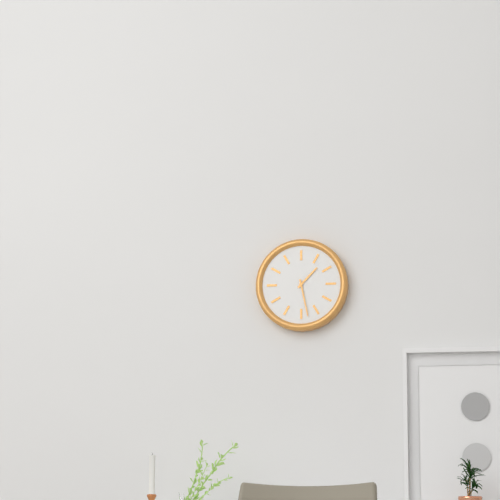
1:28
